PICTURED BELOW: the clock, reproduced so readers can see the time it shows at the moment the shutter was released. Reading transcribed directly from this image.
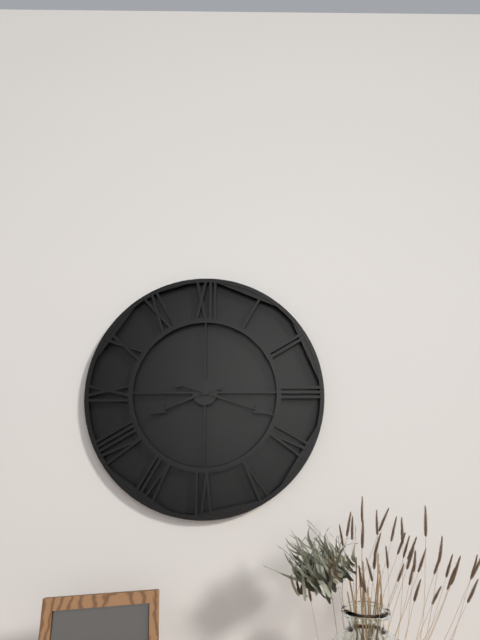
8:18
